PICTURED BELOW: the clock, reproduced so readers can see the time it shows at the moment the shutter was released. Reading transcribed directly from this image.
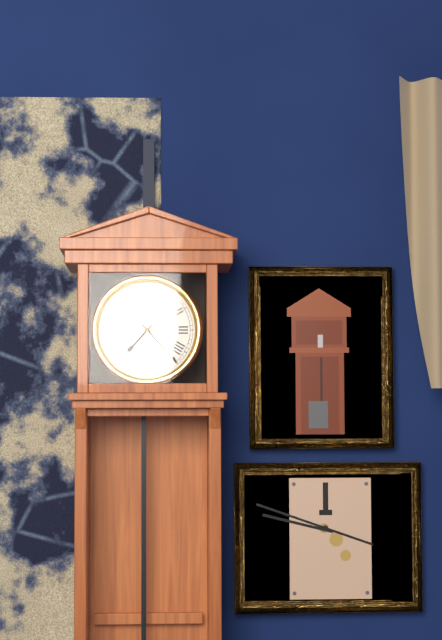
7:23:07
